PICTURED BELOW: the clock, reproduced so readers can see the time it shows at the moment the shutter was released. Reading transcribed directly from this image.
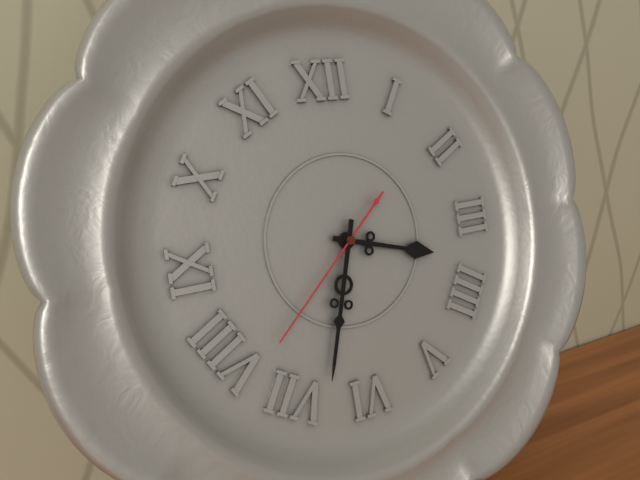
3:33:38
